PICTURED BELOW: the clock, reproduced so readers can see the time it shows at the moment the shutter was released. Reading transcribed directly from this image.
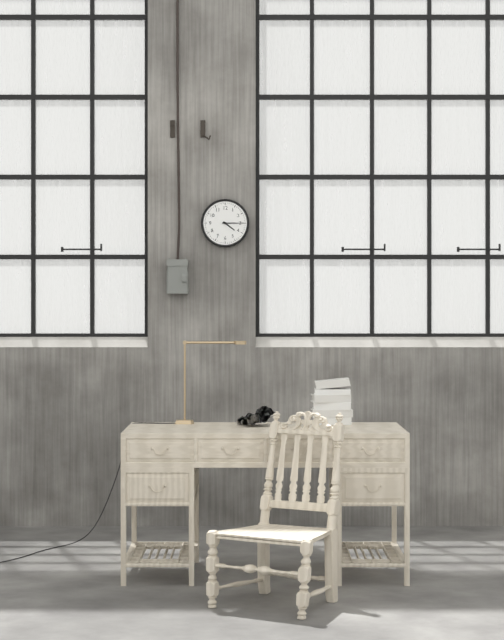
4:15
